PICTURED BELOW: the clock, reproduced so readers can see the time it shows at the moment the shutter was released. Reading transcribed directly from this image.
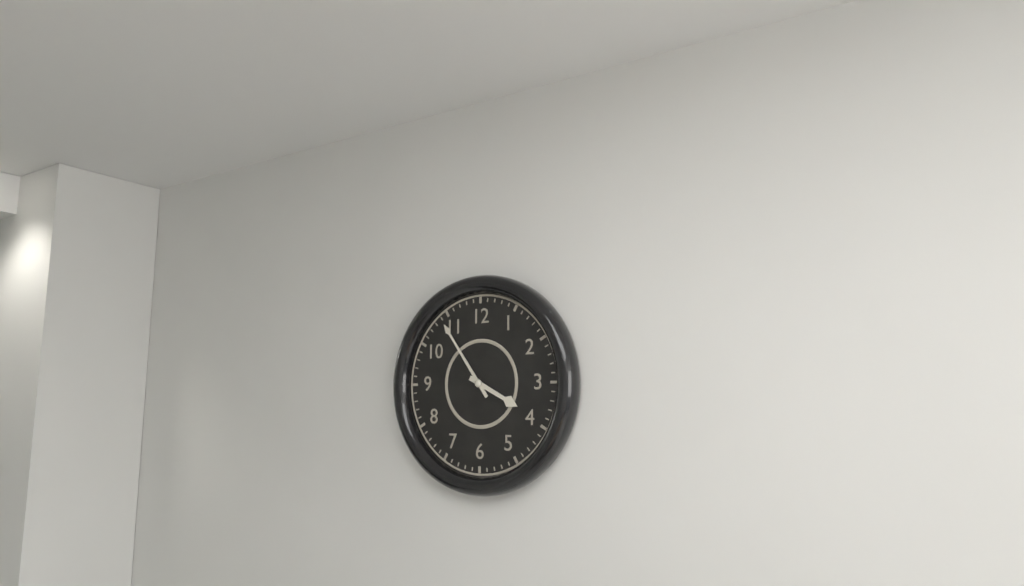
3:54
